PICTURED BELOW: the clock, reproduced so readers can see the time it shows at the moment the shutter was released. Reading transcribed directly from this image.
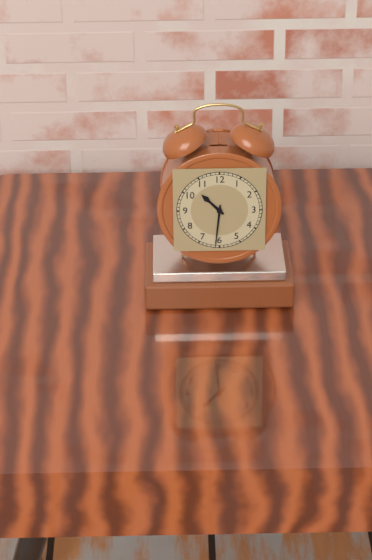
10:31
